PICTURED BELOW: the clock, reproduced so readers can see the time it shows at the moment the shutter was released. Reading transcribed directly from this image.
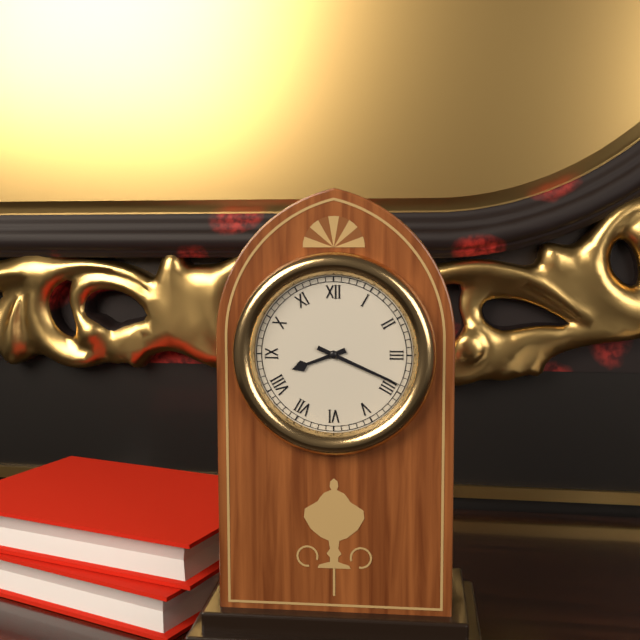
8:19
